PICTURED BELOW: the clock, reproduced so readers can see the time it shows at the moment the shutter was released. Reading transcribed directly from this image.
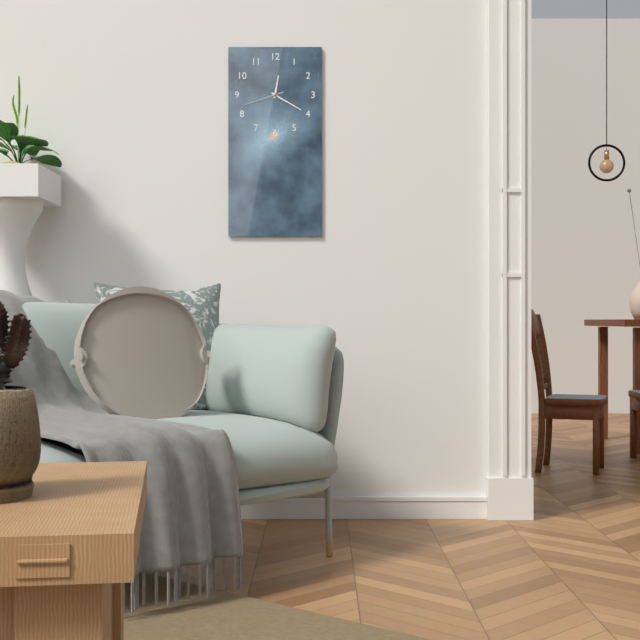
12:20
